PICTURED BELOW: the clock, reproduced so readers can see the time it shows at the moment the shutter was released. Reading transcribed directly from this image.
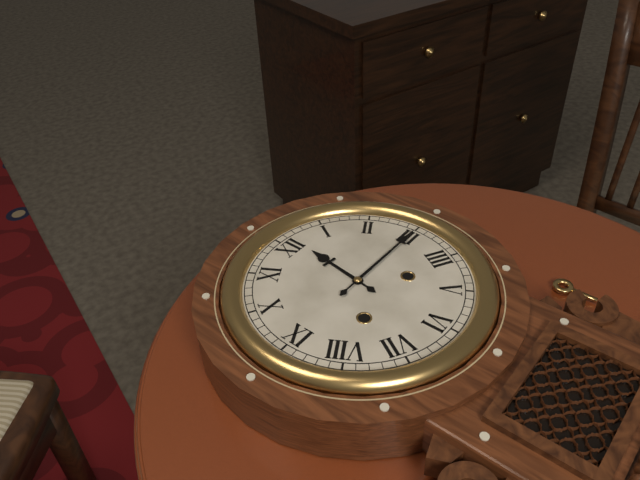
12:15
